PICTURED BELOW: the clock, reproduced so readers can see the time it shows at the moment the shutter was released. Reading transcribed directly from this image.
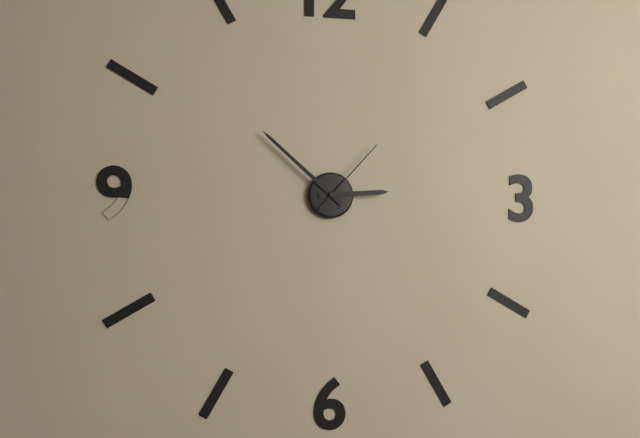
2:52:07
